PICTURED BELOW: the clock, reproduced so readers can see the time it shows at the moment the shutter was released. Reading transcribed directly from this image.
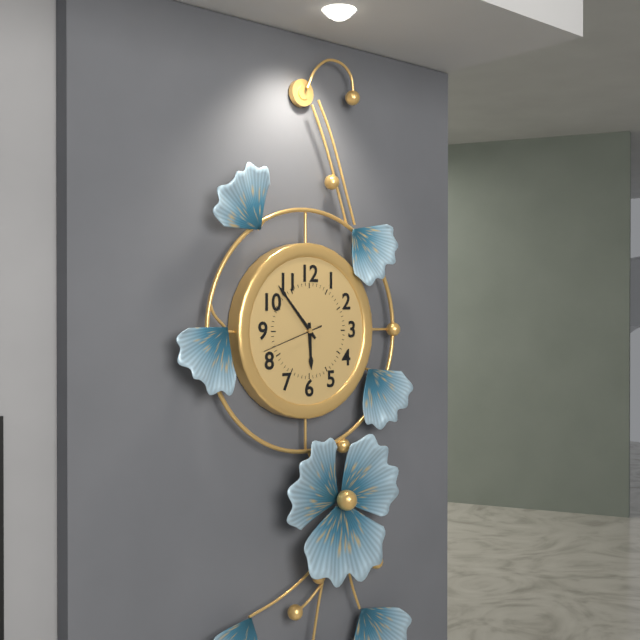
5:53:42
